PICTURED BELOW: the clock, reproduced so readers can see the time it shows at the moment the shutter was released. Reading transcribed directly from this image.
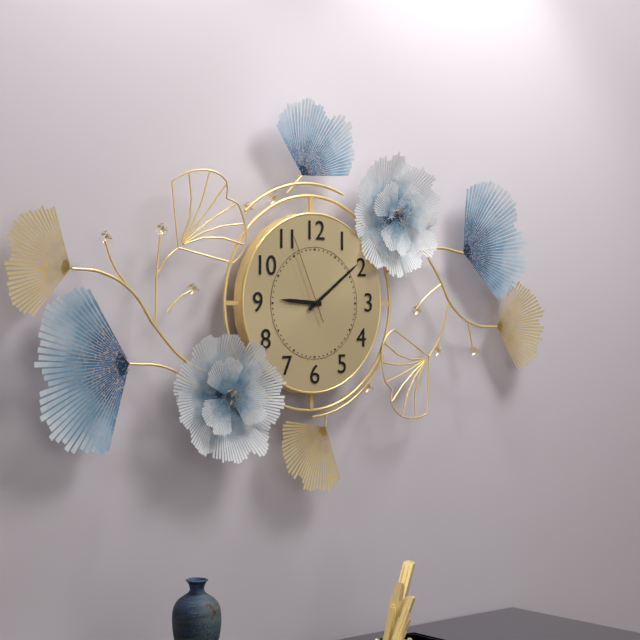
9:09:56
